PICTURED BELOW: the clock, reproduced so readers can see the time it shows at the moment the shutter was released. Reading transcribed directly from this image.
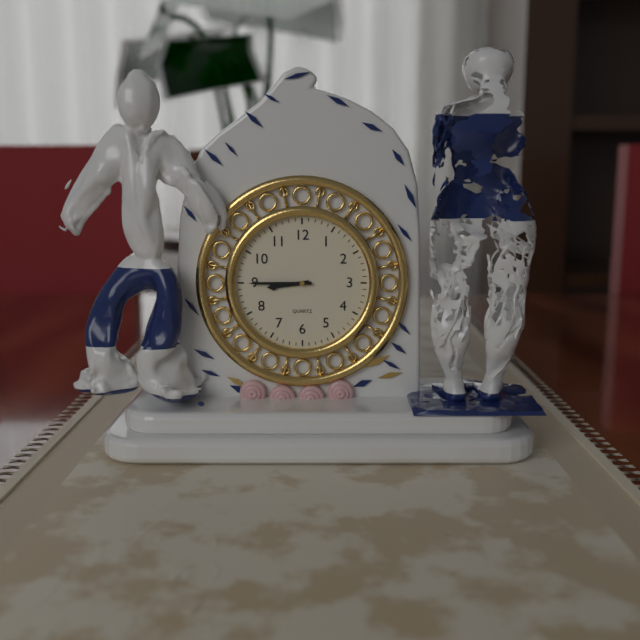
8:45
